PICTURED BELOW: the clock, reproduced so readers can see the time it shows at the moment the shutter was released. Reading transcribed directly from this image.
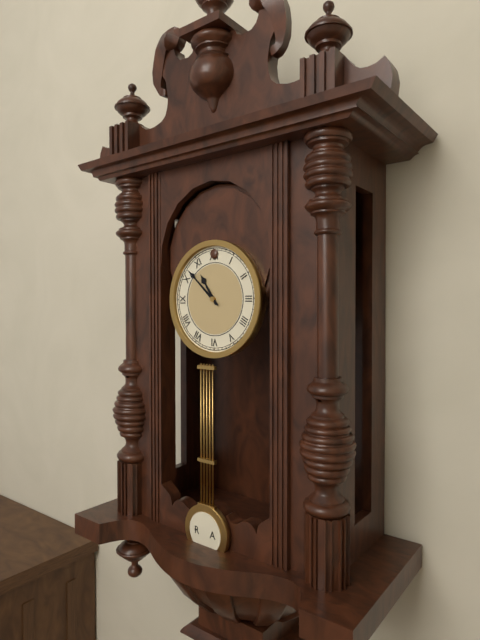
10:52
